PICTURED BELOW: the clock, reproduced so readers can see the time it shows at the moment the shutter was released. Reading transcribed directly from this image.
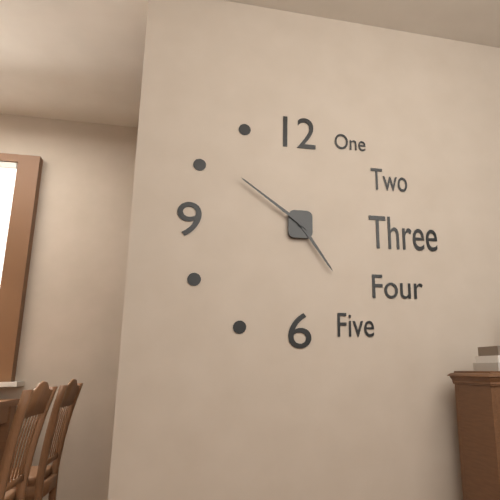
4:51
